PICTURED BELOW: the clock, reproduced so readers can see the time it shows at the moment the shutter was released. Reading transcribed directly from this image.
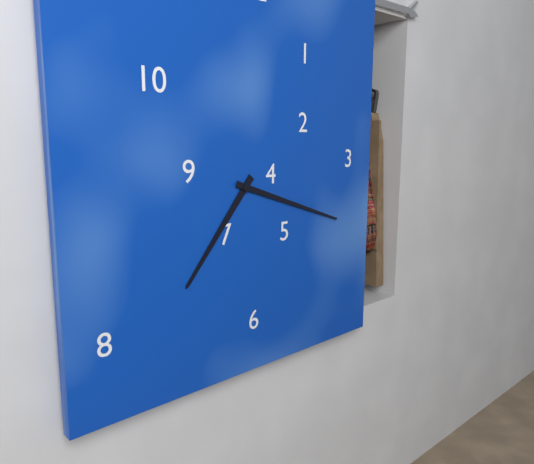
7:18
